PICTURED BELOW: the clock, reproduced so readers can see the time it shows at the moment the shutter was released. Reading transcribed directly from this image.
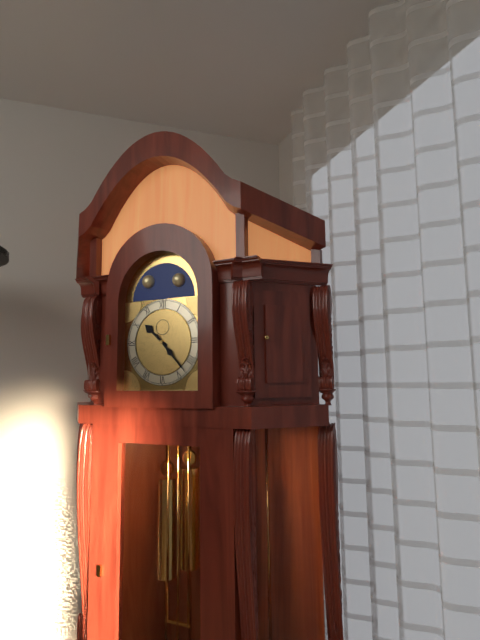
10:23
